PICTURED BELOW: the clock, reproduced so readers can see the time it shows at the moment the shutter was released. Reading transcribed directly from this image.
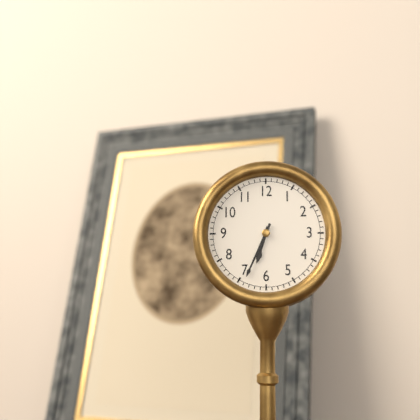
6:34
